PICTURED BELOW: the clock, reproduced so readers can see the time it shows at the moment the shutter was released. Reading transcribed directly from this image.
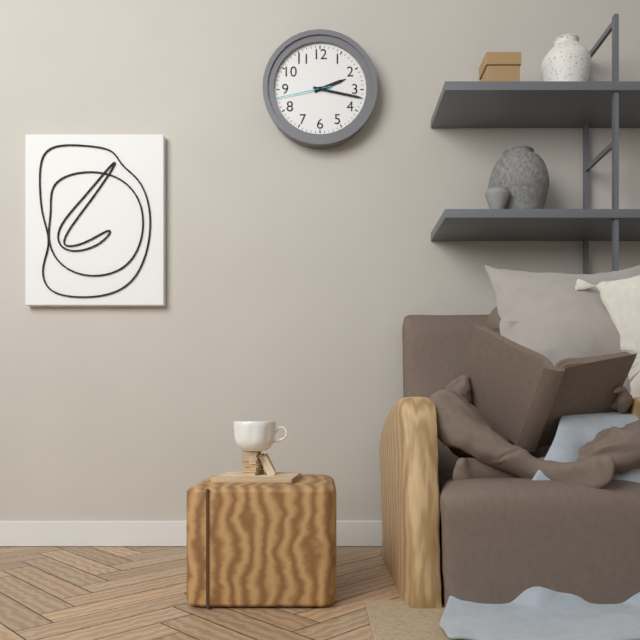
2:17:43
